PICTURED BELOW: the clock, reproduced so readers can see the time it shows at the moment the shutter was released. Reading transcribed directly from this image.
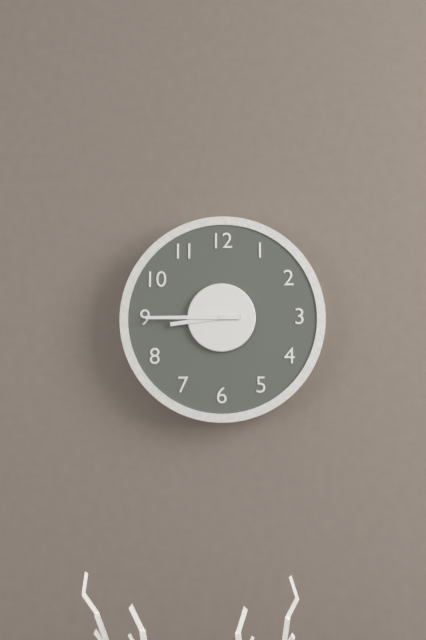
8:45
